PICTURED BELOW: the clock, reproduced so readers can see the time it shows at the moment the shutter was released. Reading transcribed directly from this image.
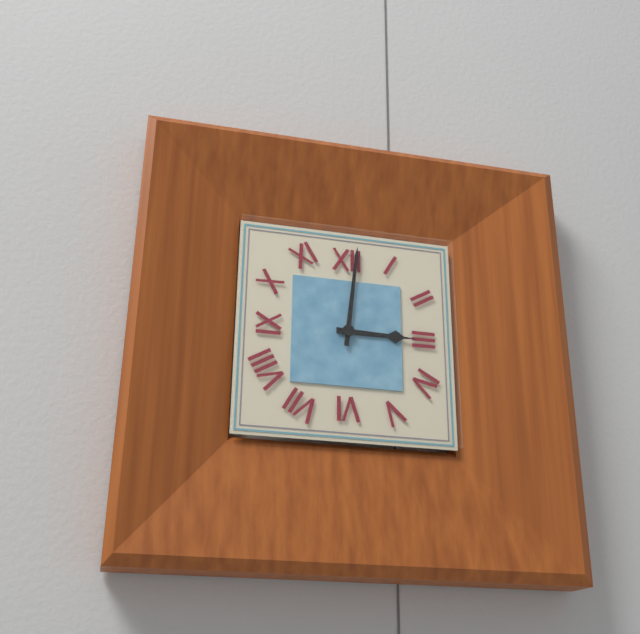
3:01
